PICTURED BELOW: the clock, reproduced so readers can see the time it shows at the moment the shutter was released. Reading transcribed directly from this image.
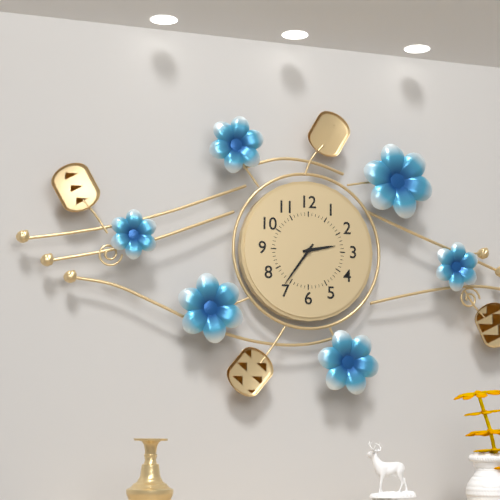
2:36
